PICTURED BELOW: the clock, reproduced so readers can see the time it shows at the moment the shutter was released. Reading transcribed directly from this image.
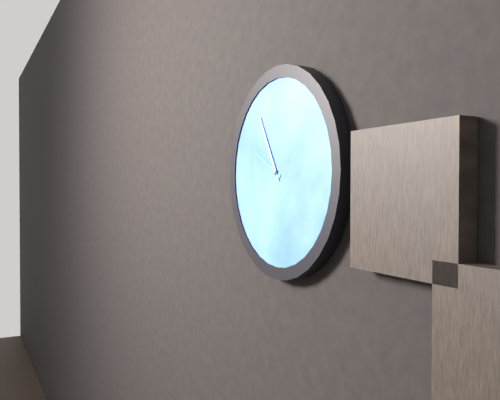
9:55
